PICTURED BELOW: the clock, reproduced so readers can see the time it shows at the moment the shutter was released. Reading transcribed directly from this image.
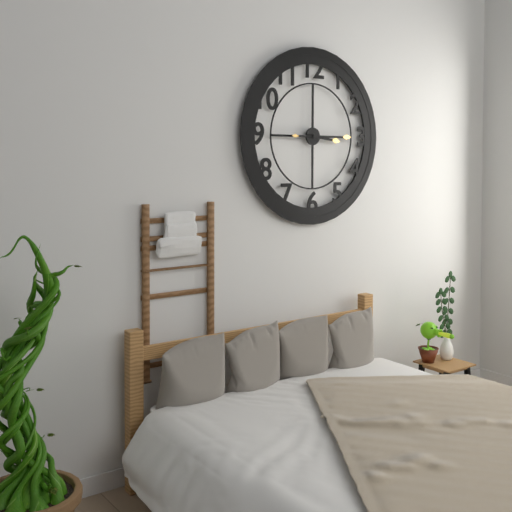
3:15
